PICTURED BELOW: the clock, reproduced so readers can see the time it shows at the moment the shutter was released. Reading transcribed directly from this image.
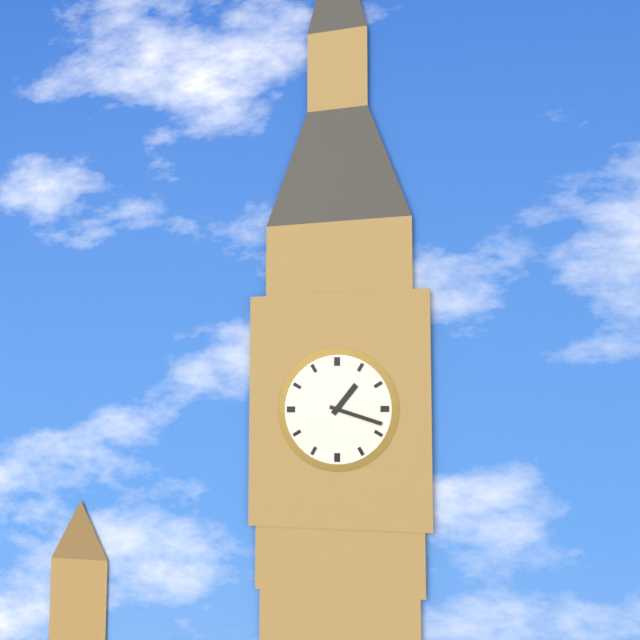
1:18
